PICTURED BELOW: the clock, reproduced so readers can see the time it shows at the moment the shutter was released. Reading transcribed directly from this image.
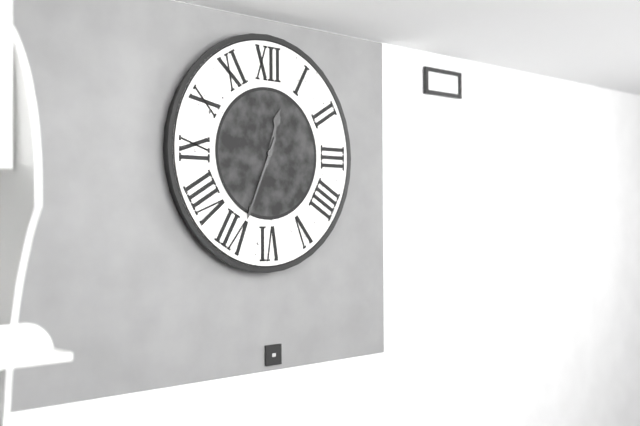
12:34
